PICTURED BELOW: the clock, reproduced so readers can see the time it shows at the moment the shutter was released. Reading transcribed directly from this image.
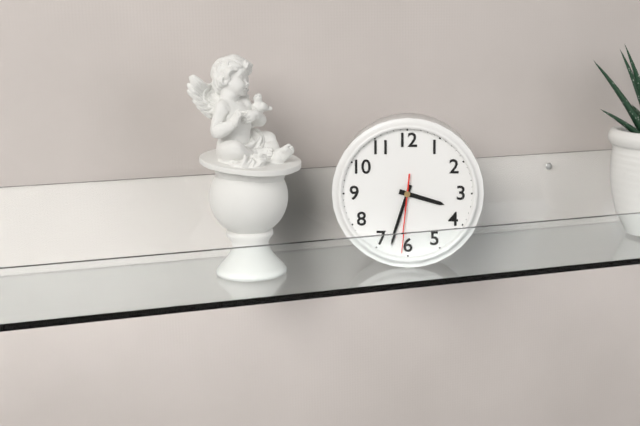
3:33:31
